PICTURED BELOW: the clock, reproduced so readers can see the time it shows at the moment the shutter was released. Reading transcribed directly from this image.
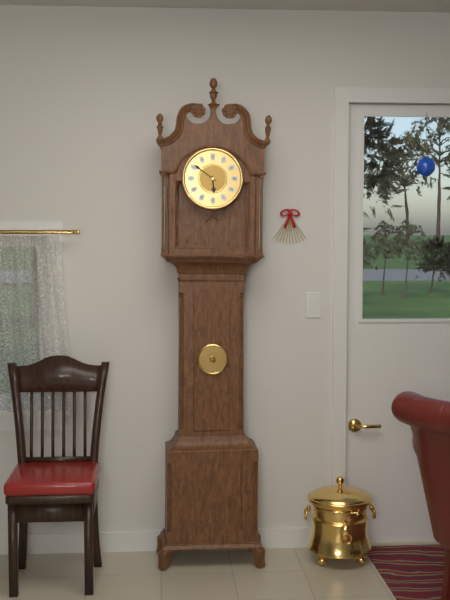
5:51
